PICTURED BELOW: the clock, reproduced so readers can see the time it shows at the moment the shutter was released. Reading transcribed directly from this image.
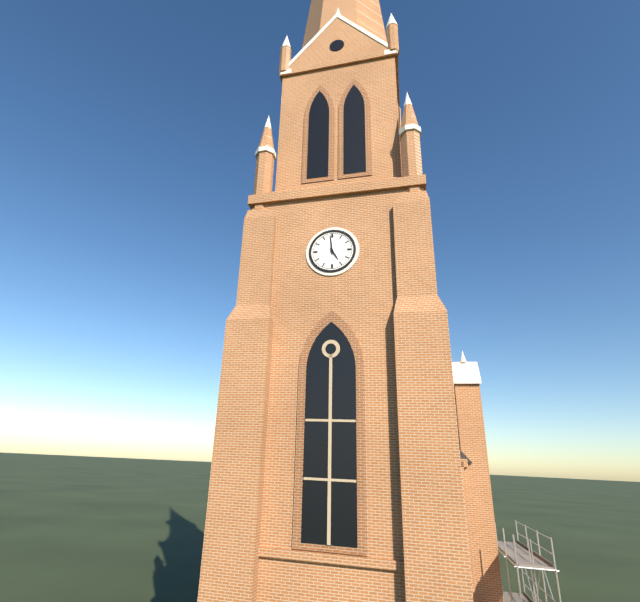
4:59
